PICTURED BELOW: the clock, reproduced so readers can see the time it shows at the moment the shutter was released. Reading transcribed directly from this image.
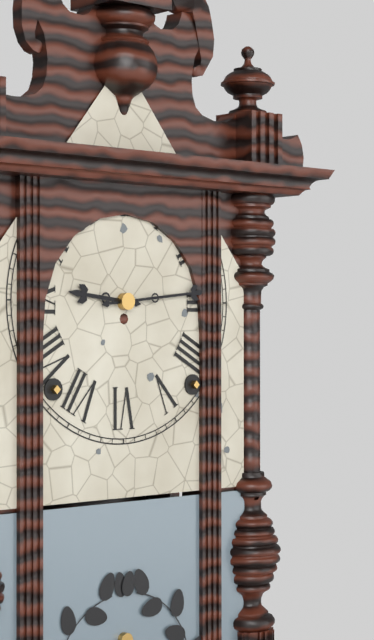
9:14
